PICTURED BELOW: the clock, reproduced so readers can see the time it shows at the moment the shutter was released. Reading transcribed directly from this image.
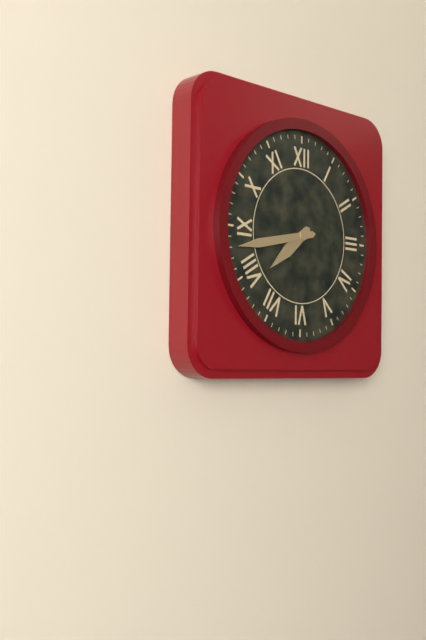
7:43
